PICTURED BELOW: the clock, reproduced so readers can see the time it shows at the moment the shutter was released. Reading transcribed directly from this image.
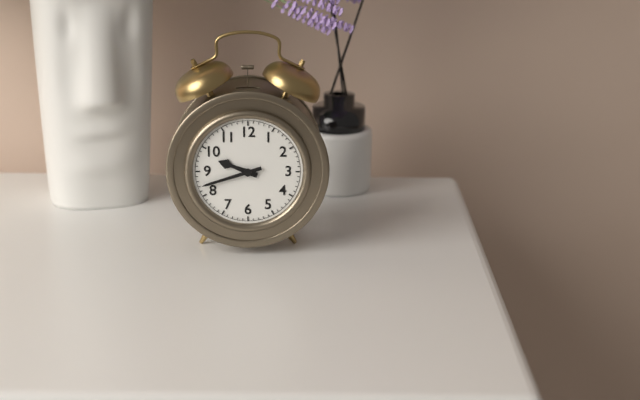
9:42
